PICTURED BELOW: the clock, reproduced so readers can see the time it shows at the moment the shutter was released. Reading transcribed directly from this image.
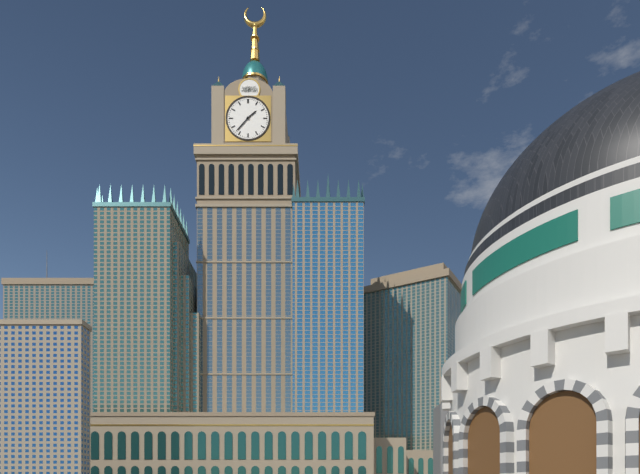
1:37
